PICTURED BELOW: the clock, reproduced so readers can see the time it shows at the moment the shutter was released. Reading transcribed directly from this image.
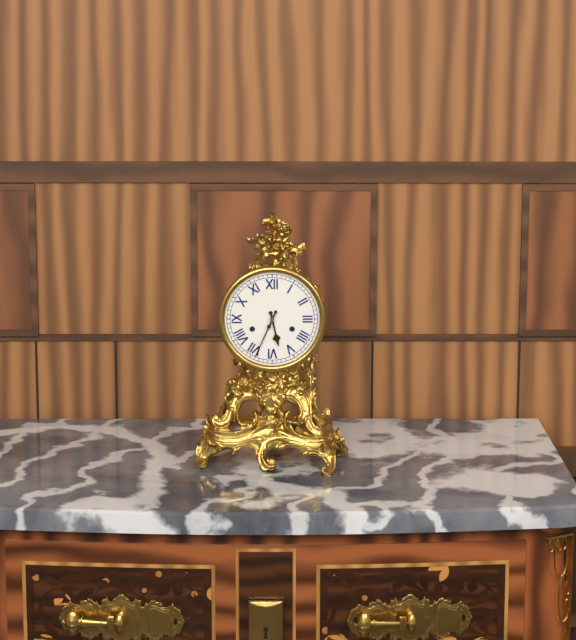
5:34
